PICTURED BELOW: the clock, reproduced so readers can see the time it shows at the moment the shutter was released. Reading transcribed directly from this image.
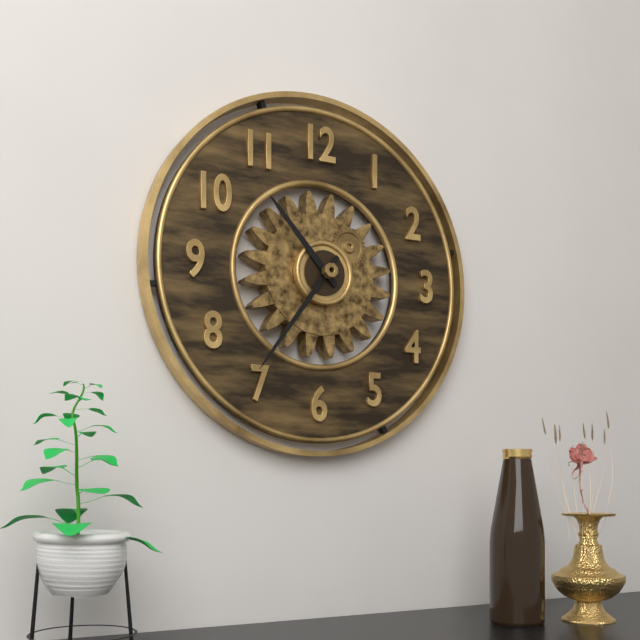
10:36
